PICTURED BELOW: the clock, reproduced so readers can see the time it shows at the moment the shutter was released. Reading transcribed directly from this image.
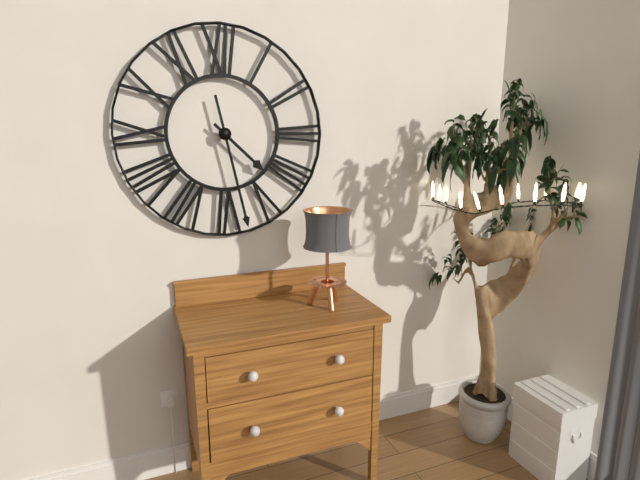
4:28
